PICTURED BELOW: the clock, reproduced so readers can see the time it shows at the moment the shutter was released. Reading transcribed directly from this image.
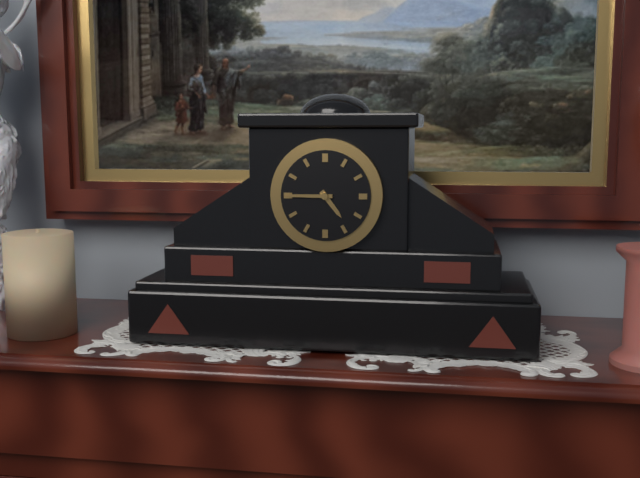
4:45
